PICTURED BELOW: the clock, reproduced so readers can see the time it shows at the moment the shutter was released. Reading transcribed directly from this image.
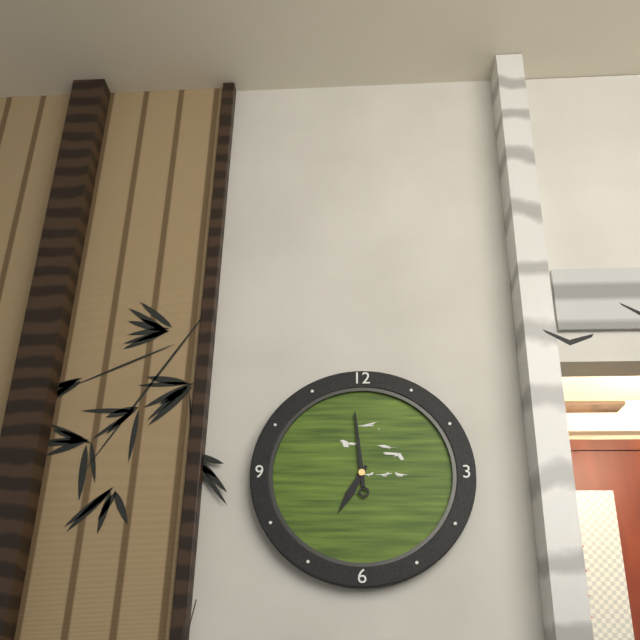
6:59
